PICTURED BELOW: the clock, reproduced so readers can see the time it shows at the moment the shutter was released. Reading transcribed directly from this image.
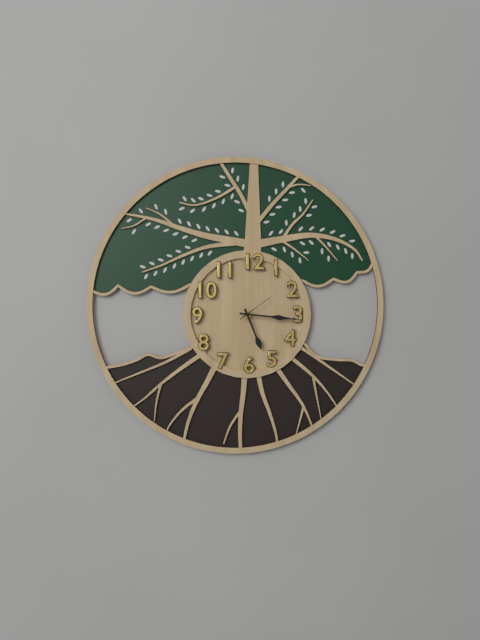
5:16
